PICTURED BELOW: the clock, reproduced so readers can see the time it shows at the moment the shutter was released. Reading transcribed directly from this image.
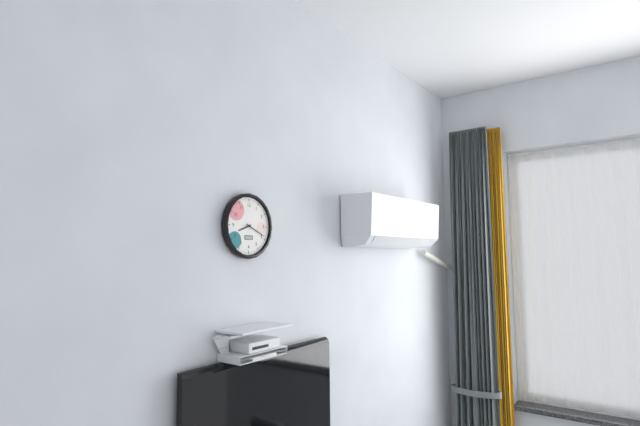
8:19
